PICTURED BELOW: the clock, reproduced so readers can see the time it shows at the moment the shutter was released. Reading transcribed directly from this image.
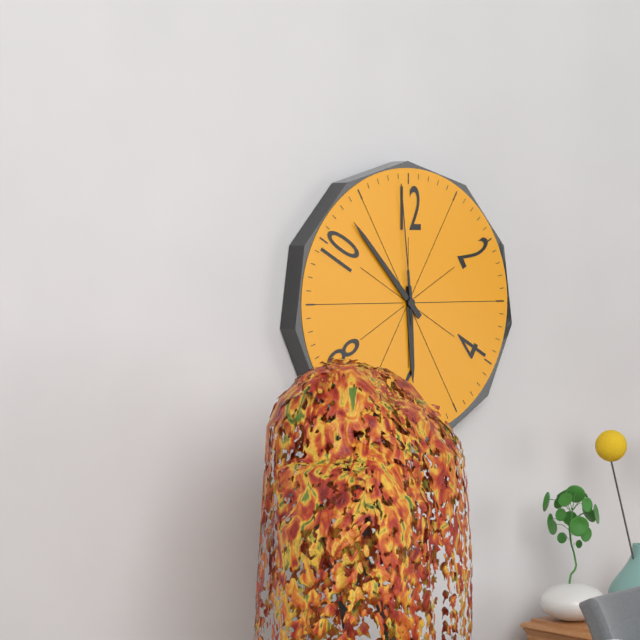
5:53:59
